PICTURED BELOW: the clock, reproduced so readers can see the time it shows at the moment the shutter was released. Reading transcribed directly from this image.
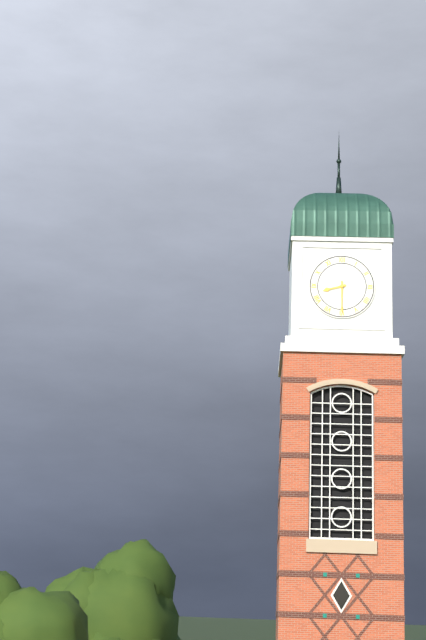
8:30
